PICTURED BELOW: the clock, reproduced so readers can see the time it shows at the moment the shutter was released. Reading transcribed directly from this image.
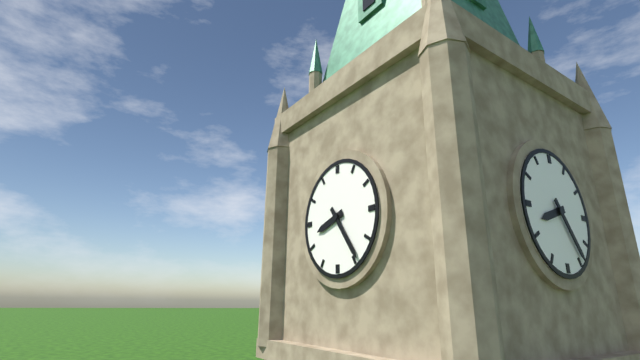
8:24
